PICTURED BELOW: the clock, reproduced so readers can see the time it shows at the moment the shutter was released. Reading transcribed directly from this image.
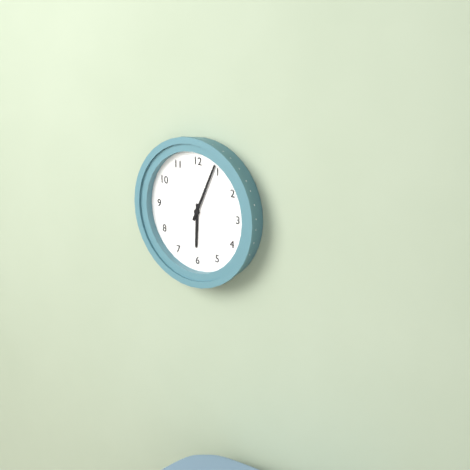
6:04
